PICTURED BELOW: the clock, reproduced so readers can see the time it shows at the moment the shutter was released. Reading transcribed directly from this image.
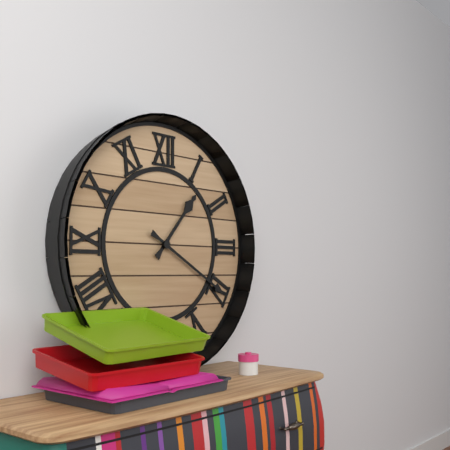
1:20
